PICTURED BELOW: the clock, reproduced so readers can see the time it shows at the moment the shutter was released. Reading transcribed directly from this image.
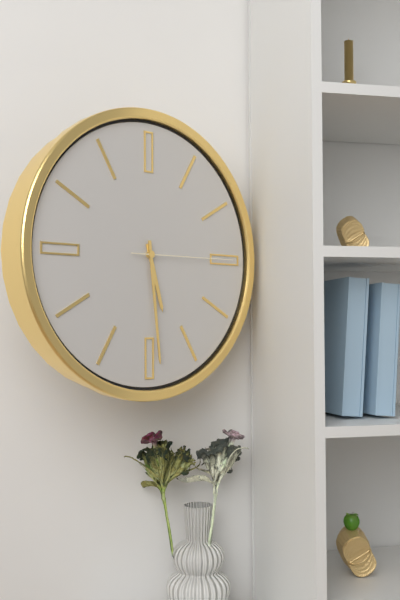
5:29:15
